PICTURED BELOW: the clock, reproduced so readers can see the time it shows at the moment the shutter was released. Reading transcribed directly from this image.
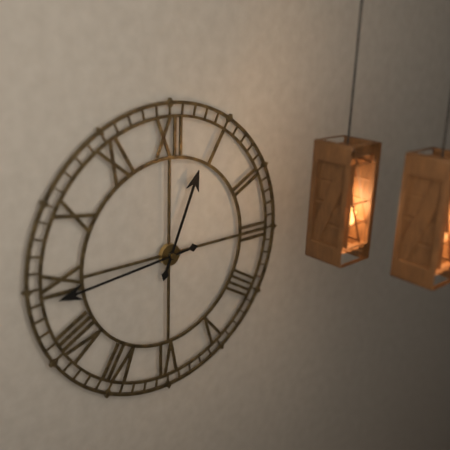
12:44
